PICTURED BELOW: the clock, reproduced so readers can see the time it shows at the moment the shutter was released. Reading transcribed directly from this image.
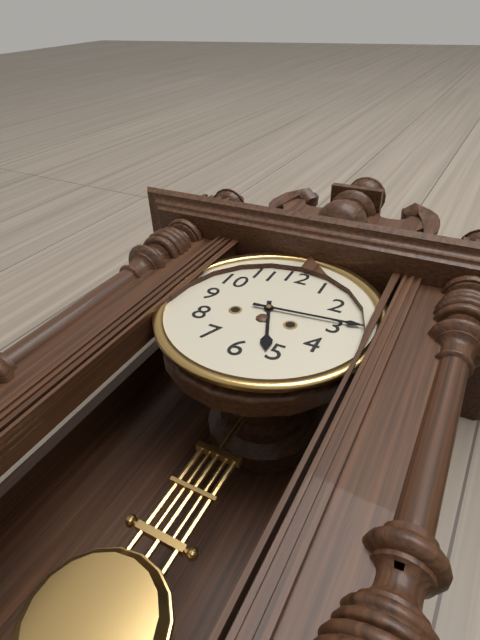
5:14
